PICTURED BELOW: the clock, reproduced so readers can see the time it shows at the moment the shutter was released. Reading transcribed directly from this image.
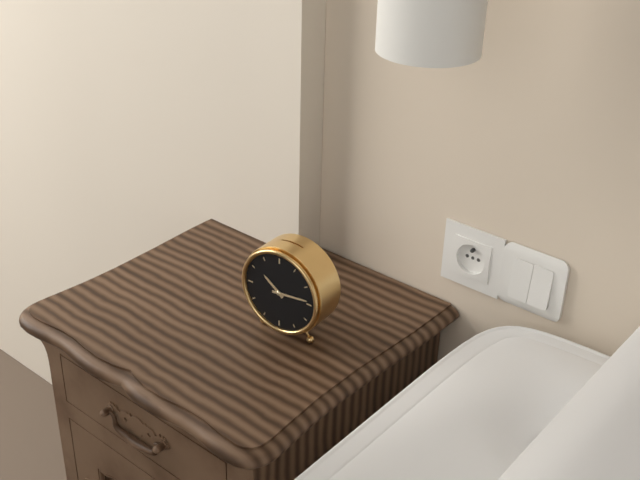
10:14
